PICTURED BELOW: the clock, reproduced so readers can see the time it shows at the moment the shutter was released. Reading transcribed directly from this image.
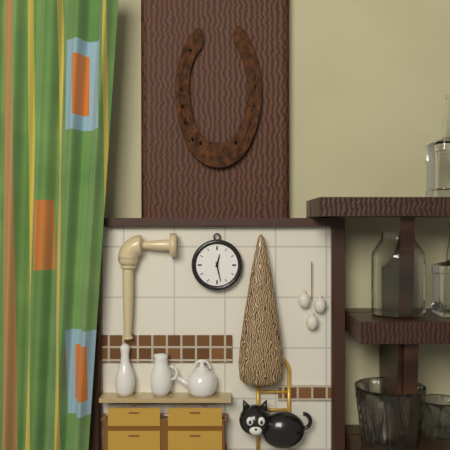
12:28
